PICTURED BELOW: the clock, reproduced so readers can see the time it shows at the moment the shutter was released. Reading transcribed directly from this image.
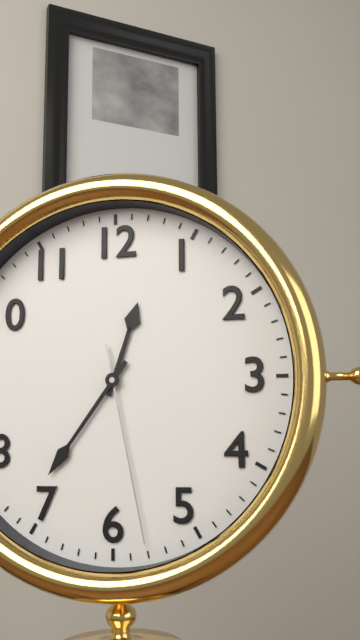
12:36:28
